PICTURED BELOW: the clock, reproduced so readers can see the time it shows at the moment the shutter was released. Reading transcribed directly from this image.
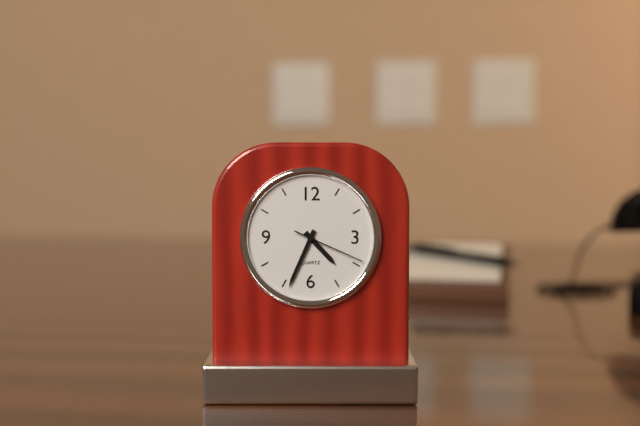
4:34:19
